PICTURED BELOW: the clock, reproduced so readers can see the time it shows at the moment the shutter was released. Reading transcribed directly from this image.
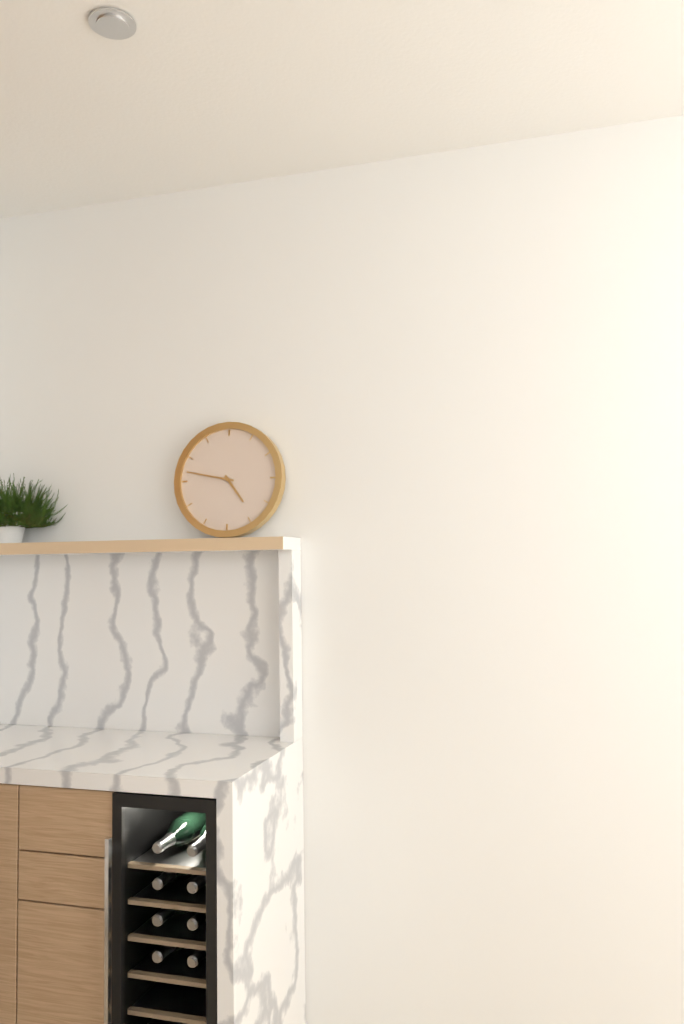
4:47
